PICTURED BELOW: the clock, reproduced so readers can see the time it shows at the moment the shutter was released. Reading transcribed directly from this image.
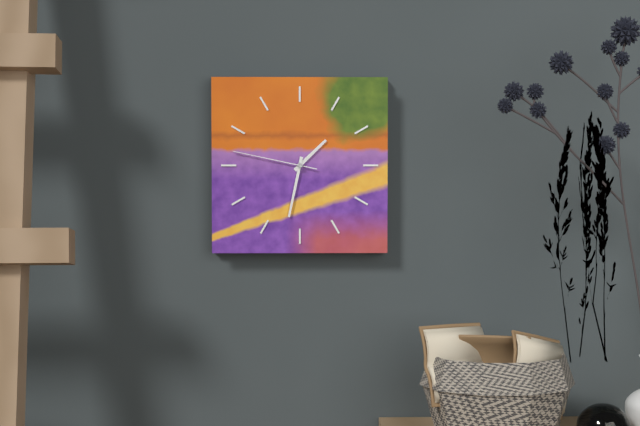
1:32:47
